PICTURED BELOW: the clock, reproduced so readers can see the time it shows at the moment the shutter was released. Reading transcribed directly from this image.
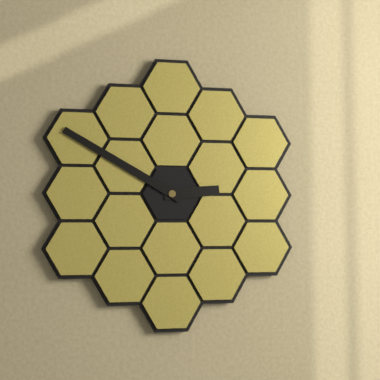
2:50
